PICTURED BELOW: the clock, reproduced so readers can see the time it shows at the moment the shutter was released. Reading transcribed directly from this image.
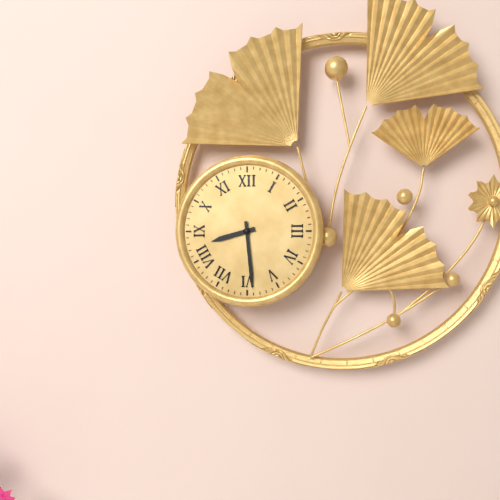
8:29
